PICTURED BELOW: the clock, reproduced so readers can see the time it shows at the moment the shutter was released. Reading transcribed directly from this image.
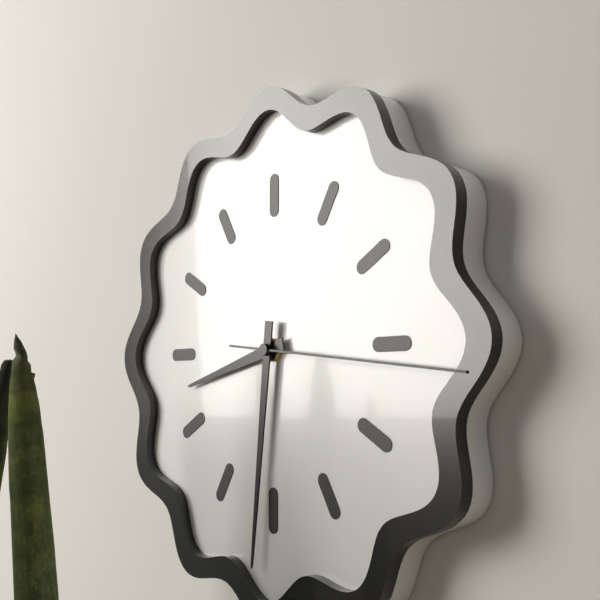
8:31:16
